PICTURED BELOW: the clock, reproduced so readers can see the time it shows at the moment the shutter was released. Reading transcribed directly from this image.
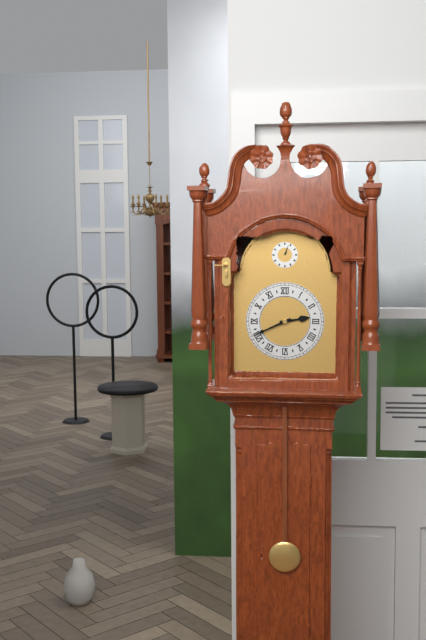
2:41
